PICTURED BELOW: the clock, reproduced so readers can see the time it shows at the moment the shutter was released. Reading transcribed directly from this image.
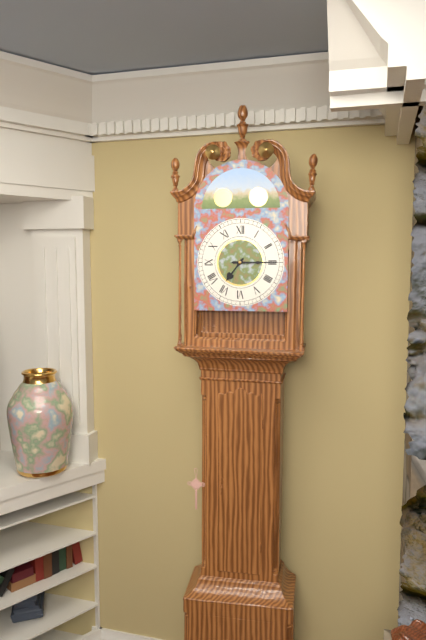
7:15
